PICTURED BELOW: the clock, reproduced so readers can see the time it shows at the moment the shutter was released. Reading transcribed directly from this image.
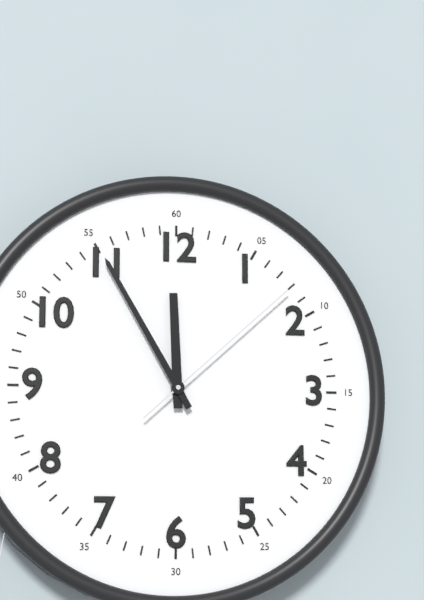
11:55:08
